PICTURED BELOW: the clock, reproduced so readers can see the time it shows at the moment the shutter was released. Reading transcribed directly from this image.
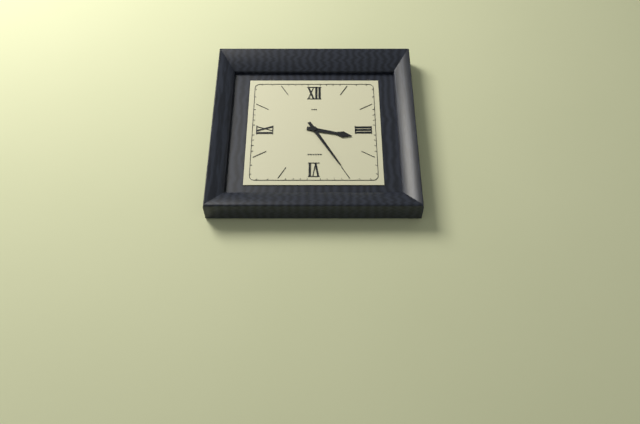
3:25
